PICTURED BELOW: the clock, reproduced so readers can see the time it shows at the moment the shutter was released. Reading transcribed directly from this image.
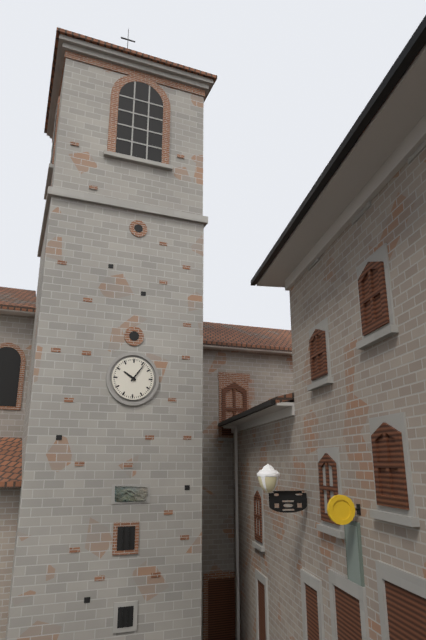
10:06
